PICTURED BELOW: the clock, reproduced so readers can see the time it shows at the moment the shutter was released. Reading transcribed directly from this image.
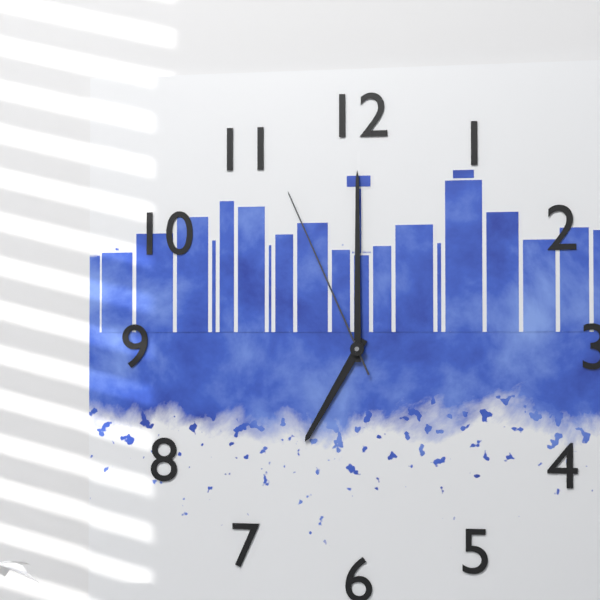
7:00:56
